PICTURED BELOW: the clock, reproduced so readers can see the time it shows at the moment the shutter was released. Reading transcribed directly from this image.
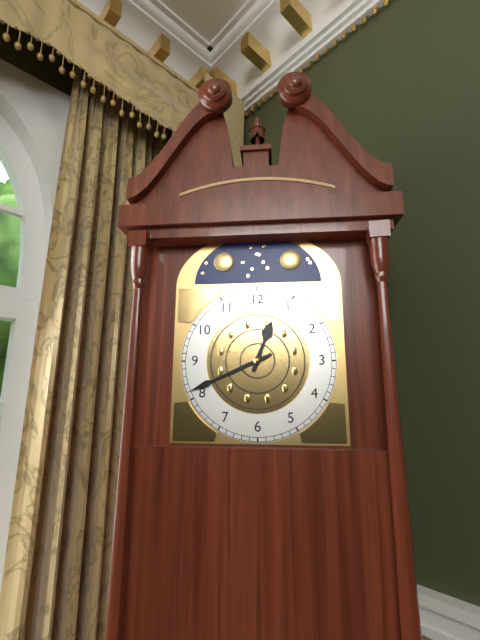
12:41
